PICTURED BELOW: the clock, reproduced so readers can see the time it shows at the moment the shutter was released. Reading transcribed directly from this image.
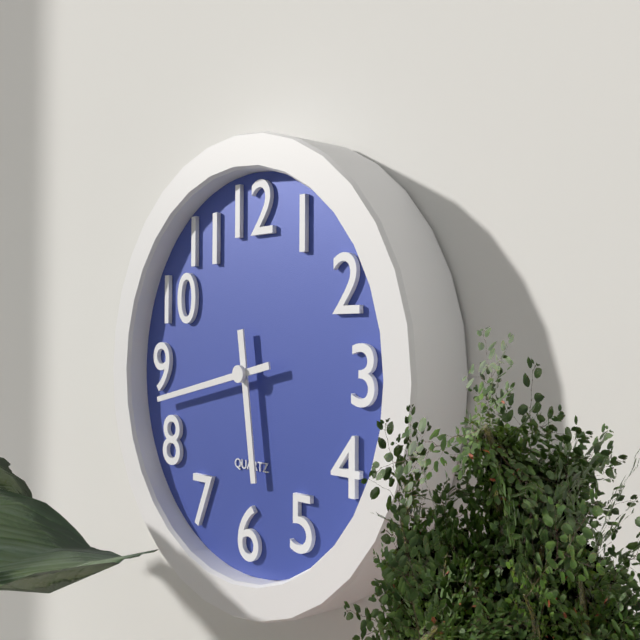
5:43
